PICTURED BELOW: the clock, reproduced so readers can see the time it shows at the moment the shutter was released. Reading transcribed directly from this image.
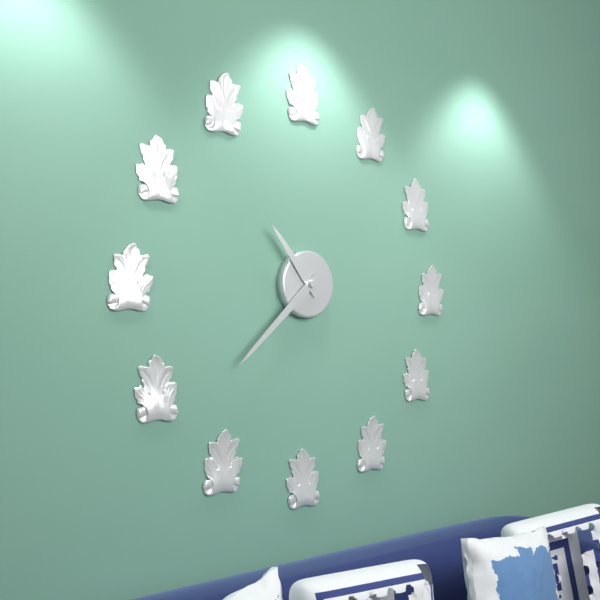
10:38
